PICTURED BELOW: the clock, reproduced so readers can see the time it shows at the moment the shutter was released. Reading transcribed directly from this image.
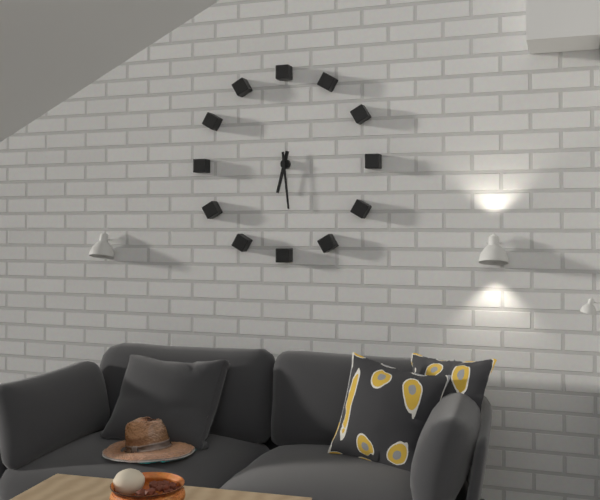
6:29
